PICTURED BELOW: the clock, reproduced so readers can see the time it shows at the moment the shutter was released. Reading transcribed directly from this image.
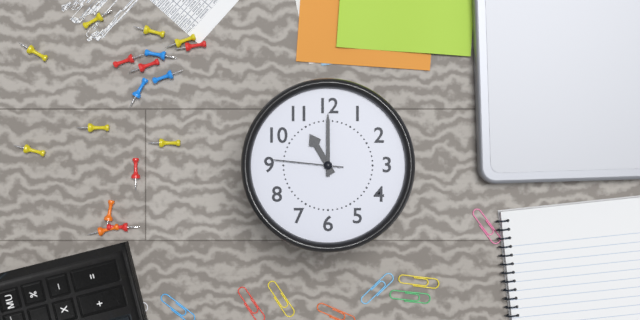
11:00:46
